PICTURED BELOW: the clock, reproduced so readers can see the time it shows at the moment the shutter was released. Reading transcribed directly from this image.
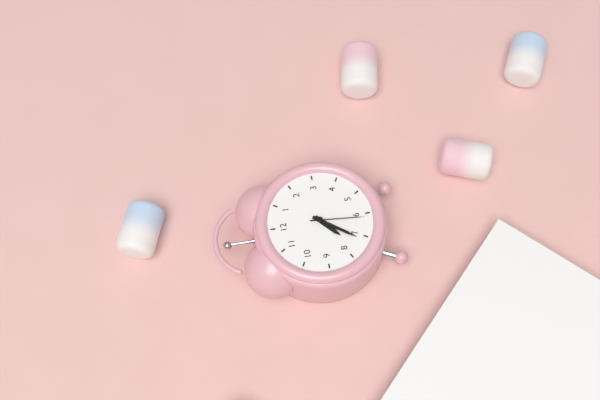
7:36:31
